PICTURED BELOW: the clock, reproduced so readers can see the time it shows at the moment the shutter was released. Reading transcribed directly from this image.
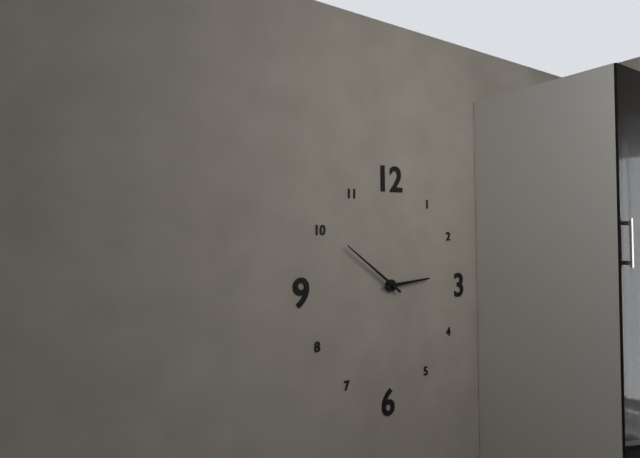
2:51
